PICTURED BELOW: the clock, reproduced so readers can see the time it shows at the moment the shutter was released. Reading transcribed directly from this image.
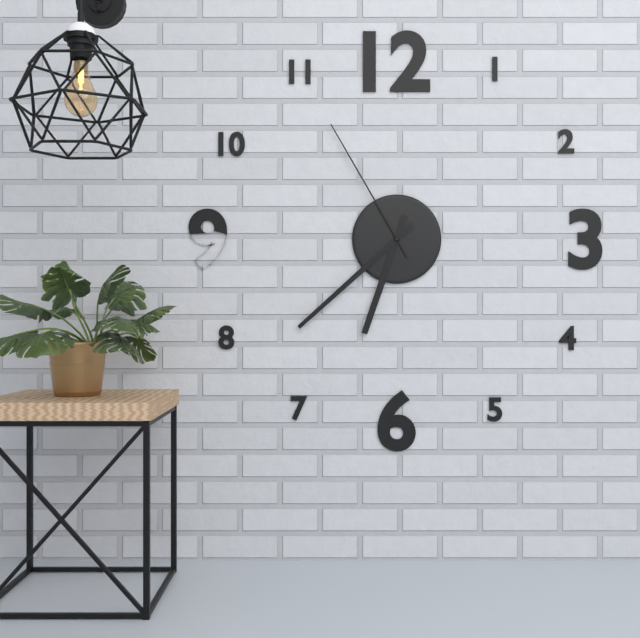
6:38:55
